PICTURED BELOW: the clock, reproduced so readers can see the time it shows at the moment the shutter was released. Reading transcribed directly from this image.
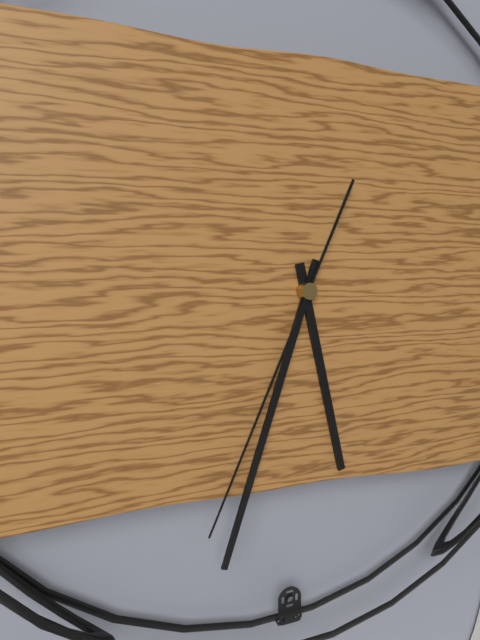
5:33:34
